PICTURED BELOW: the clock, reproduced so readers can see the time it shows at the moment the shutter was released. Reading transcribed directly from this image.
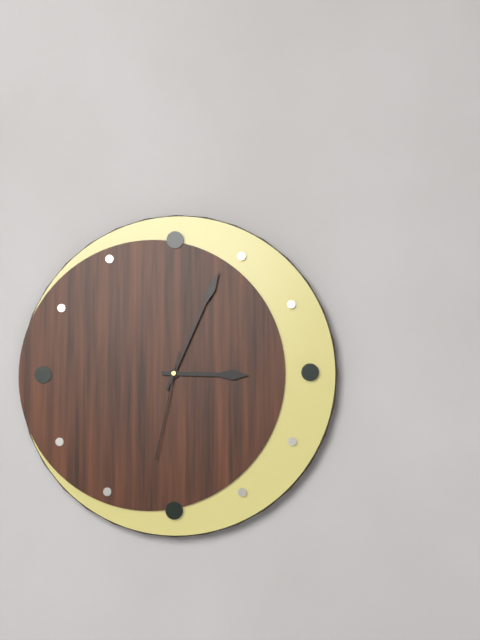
3:04:32
